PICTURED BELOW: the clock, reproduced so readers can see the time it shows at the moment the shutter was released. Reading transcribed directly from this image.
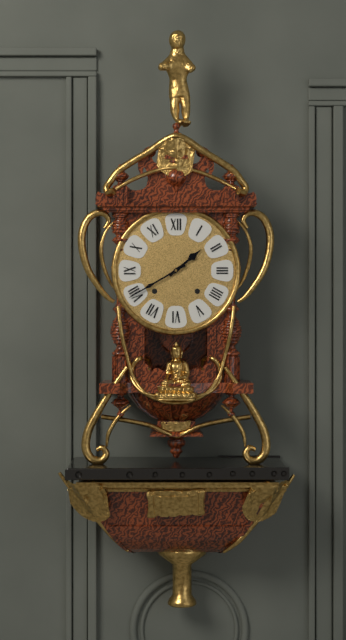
1:40
